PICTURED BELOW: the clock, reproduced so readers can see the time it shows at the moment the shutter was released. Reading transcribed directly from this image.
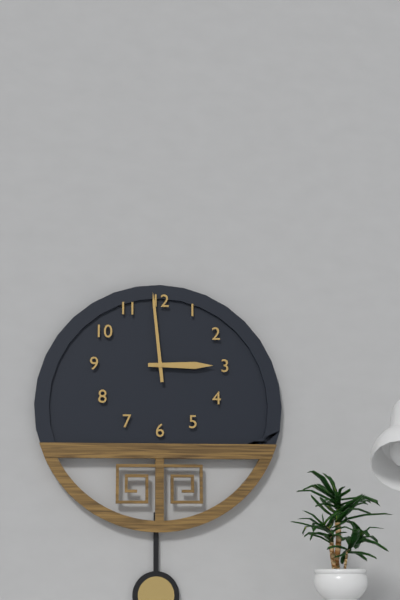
2:59
